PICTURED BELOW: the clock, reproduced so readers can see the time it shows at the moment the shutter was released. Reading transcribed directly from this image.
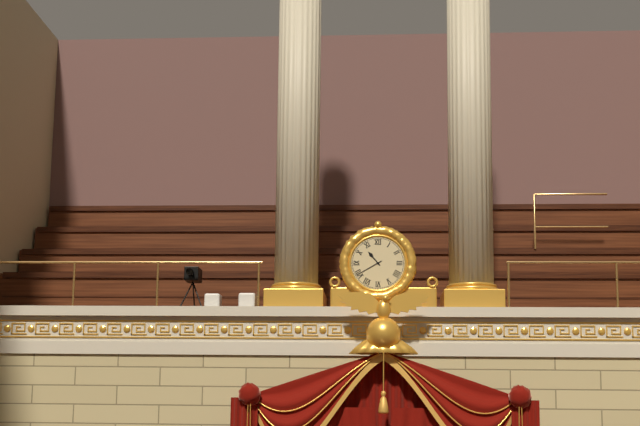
10:40
